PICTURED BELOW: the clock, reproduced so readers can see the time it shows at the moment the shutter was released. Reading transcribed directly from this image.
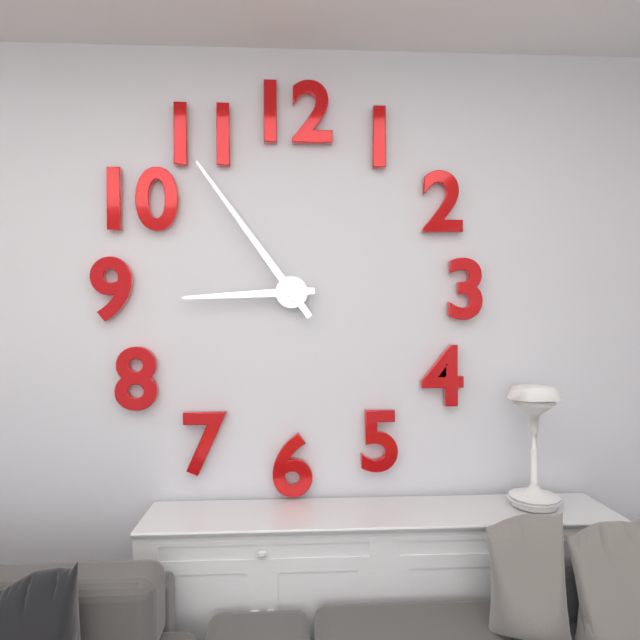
8:54
